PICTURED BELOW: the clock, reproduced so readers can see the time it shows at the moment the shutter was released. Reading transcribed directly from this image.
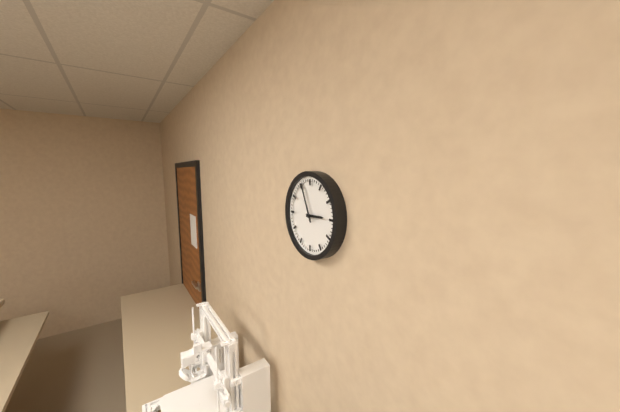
2:56
